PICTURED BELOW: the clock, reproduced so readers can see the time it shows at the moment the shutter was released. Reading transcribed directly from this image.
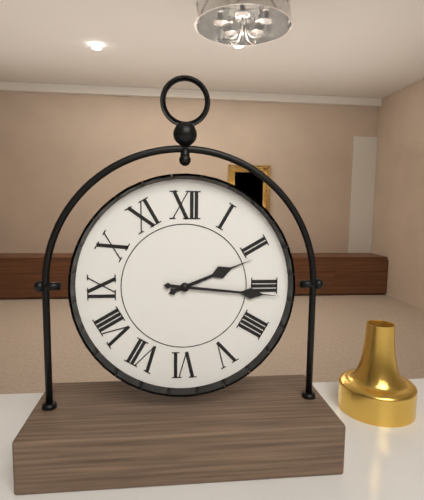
2:16
